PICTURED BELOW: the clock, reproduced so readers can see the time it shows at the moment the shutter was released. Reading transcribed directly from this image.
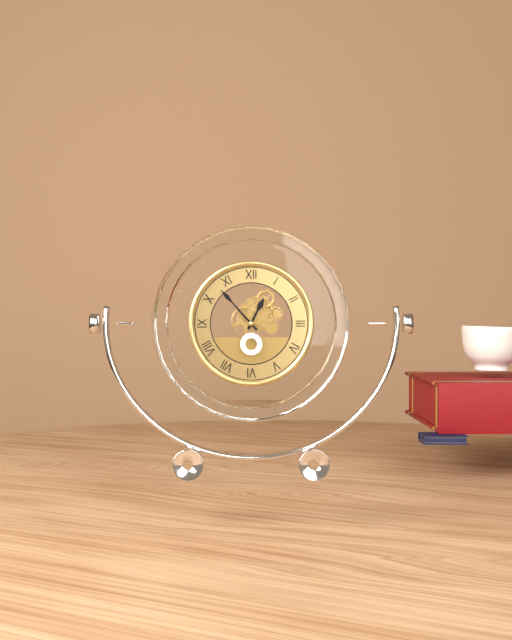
12:53
